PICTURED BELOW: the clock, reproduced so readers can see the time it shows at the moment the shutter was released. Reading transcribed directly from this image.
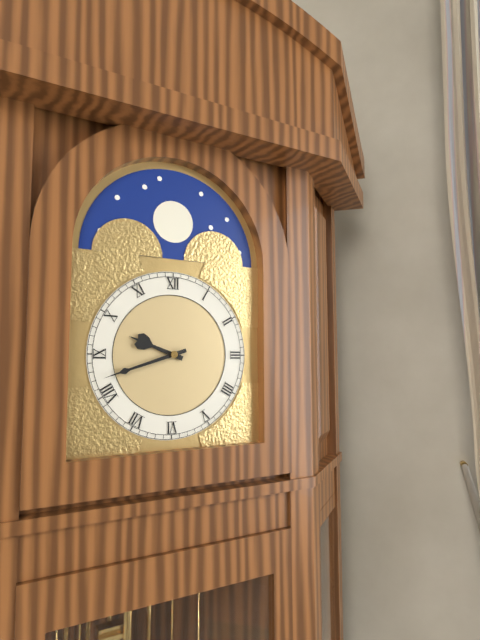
9:42
